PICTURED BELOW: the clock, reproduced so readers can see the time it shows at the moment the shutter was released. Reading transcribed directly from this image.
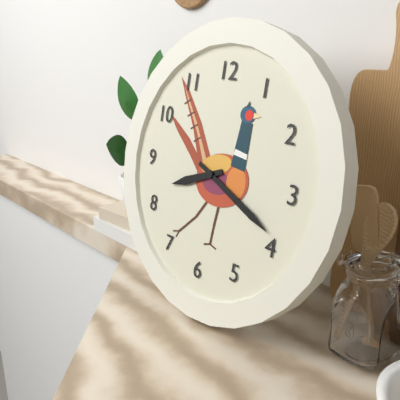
8:19
